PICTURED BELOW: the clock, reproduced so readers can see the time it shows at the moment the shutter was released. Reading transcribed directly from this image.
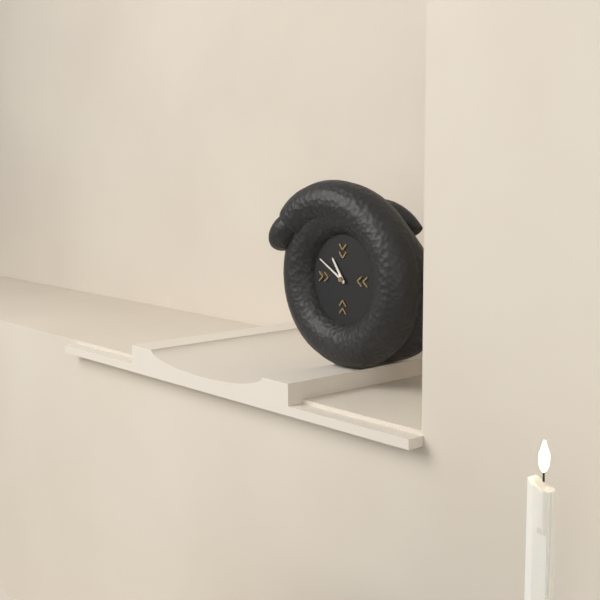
10:50
